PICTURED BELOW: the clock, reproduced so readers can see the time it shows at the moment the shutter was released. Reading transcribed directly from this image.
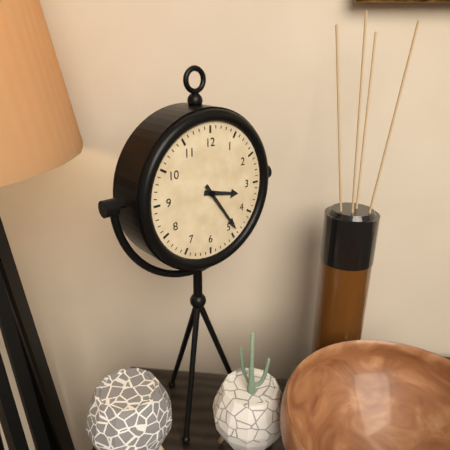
3:24
